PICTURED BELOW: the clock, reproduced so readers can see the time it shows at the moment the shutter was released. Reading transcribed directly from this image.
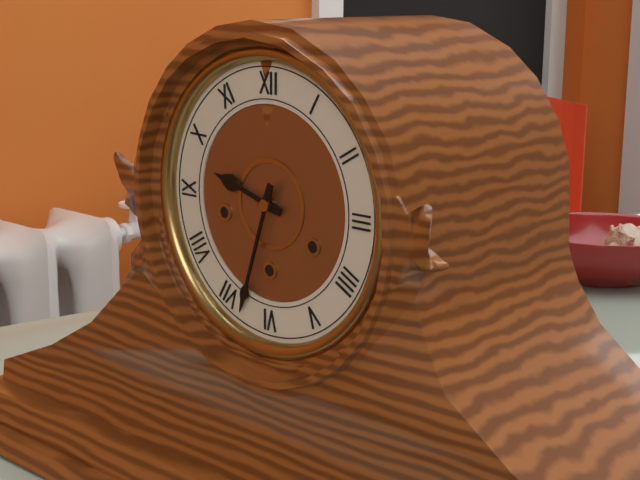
9:33
